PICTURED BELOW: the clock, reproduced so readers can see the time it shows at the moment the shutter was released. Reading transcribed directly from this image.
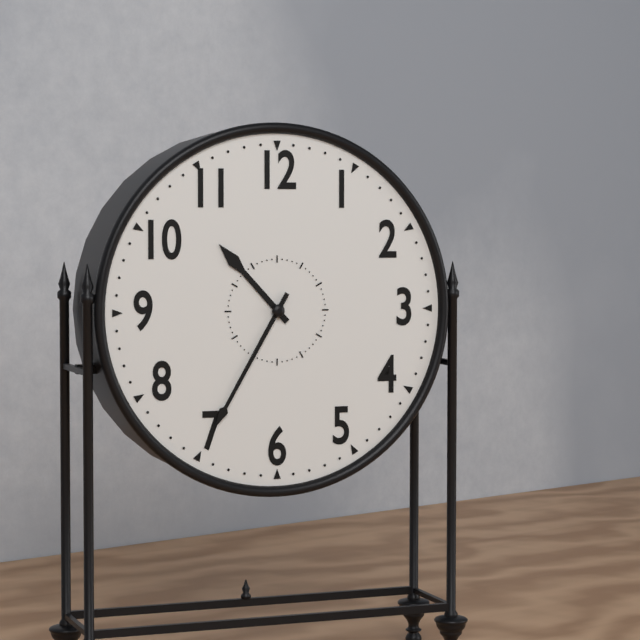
10:35
